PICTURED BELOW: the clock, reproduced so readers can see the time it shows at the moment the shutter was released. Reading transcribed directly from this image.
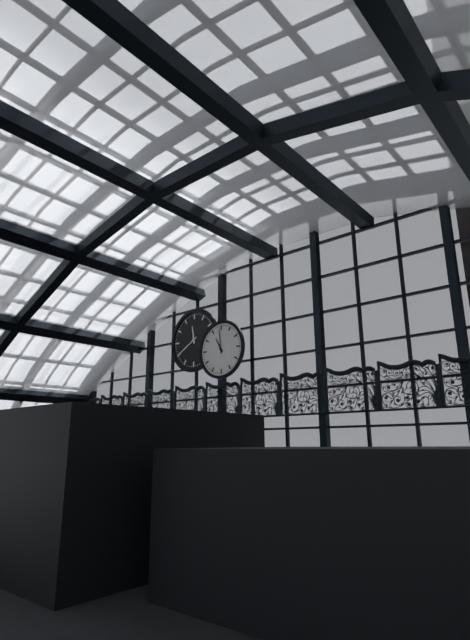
10:59
